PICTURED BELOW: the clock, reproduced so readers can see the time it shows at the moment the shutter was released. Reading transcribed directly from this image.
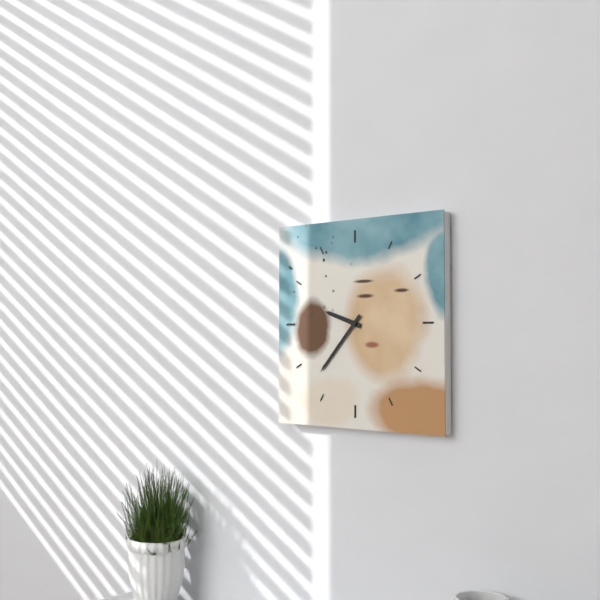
9:37
